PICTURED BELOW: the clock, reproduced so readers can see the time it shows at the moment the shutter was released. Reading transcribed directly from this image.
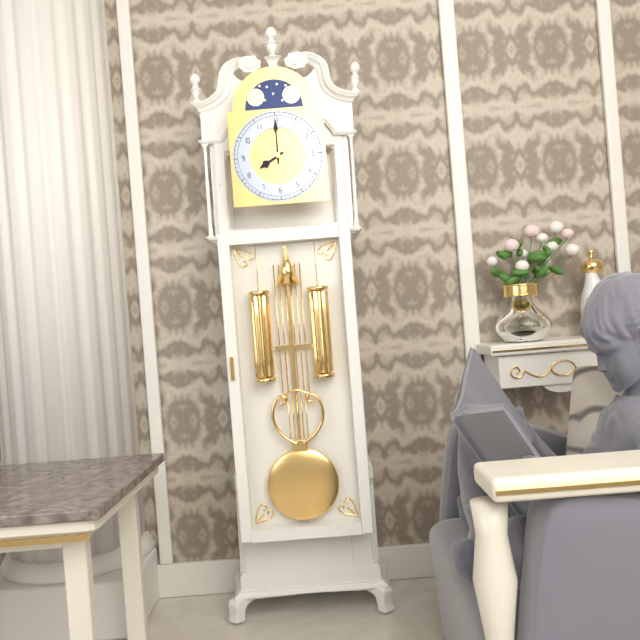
8:00
